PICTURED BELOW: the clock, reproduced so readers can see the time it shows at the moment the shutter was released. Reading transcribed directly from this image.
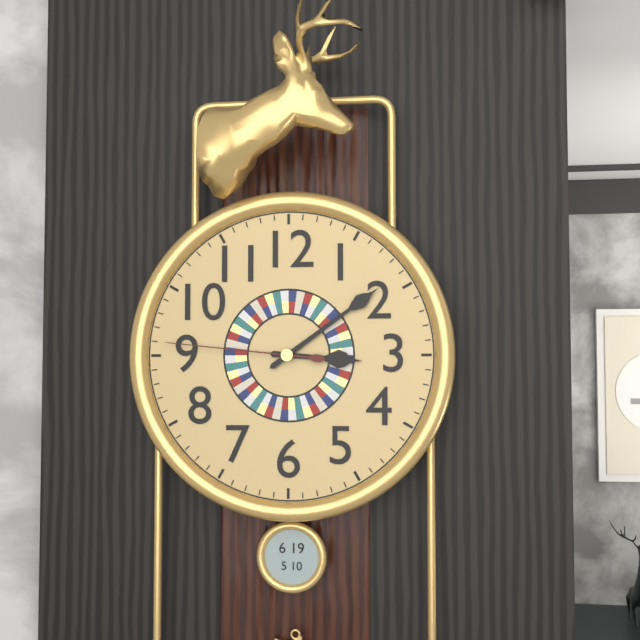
3:09:46
